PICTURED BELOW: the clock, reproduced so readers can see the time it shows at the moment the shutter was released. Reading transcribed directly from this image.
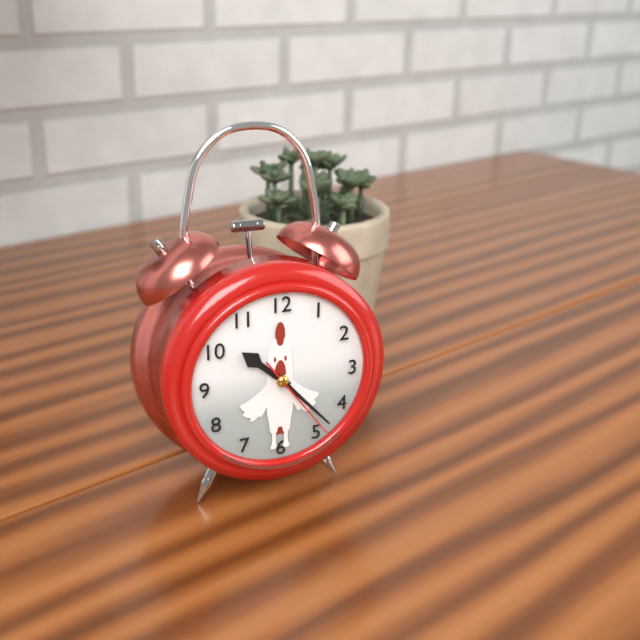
10:23:24
